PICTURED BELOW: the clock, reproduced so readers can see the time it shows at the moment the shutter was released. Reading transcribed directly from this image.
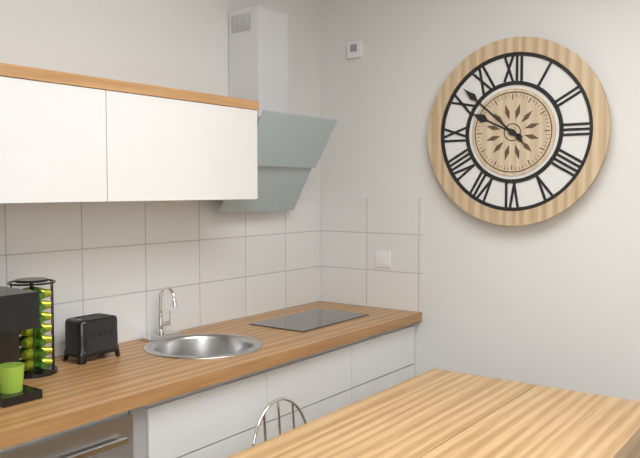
9:52
